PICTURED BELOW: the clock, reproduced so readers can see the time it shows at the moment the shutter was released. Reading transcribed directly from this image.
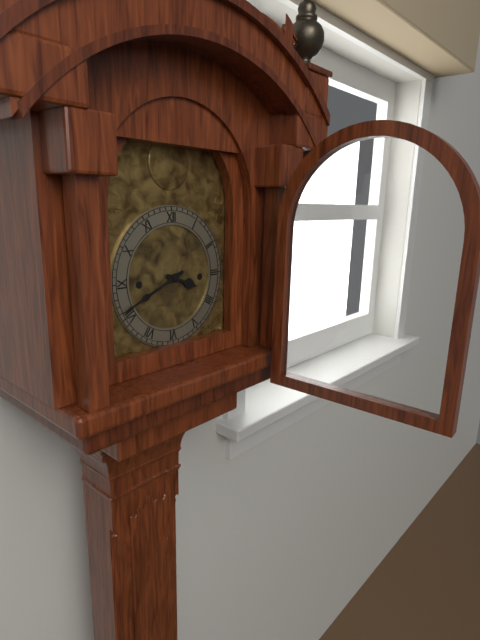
3:41
